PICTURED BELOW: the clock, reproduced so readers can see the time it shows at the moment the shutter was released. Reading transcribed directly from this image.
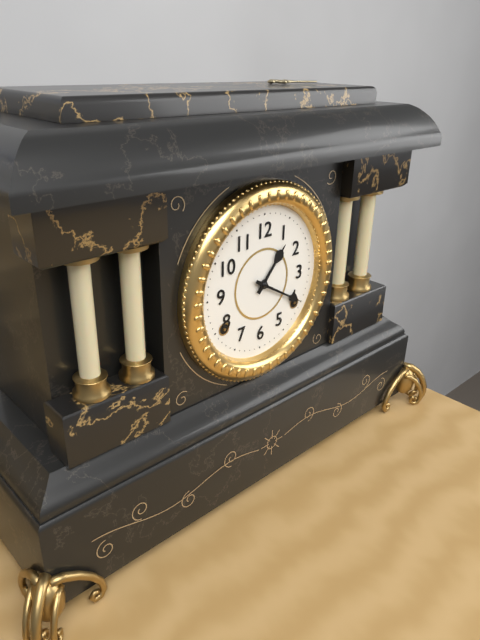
1:20
